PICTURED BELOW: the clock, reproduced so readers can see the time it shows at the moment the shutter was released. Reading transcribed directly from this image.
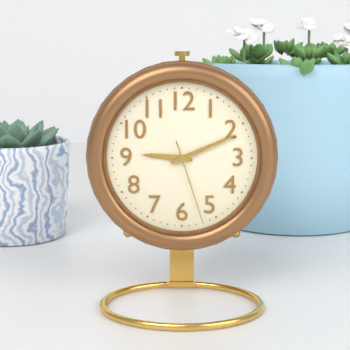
9:11:27
